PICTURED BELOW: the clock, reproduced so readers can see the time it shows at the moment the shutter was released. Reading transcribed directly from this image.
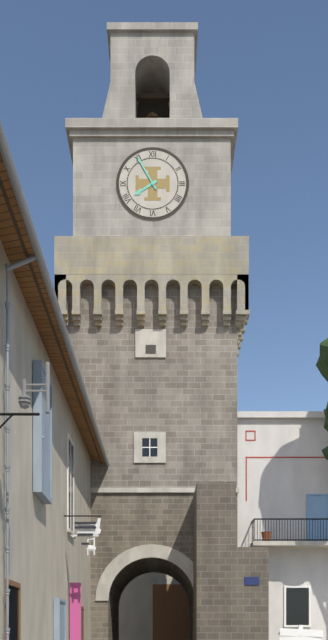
7:55
